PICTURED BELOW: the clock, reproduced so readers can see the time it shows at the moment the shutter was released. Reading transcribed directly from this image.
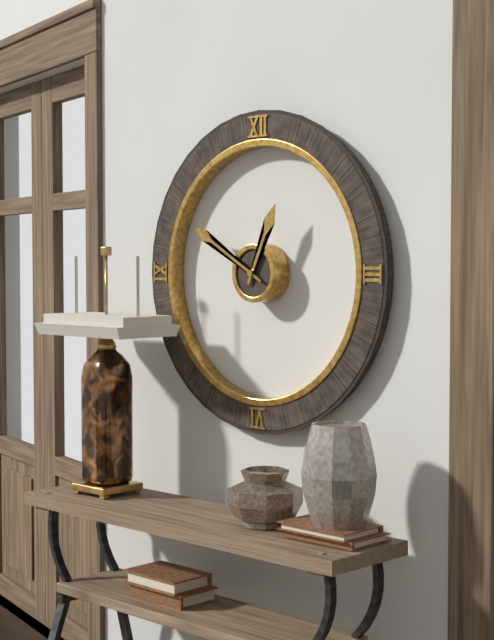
12:50
